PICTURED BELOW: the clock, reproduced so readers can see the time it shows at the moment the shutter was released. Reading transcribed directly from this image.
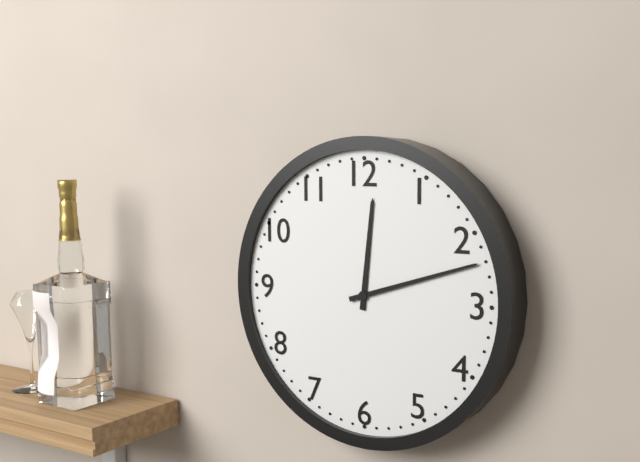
12:12
